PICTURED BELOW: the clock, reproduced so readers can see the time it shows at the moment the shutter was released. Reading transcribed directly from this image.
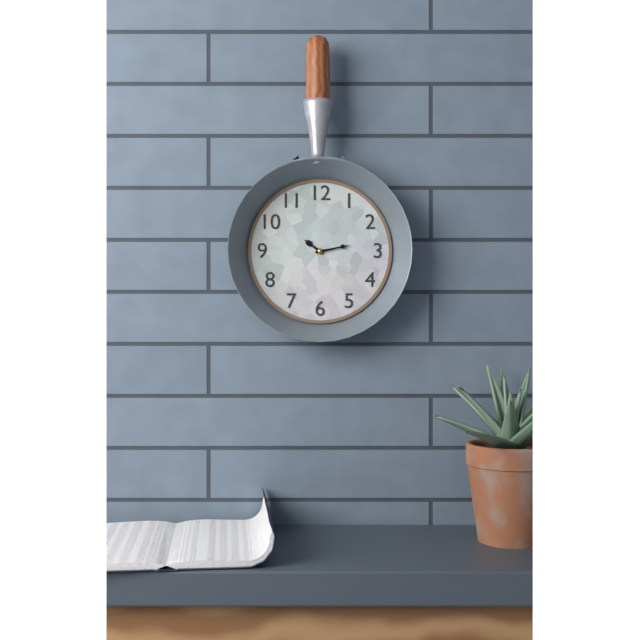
10:13
